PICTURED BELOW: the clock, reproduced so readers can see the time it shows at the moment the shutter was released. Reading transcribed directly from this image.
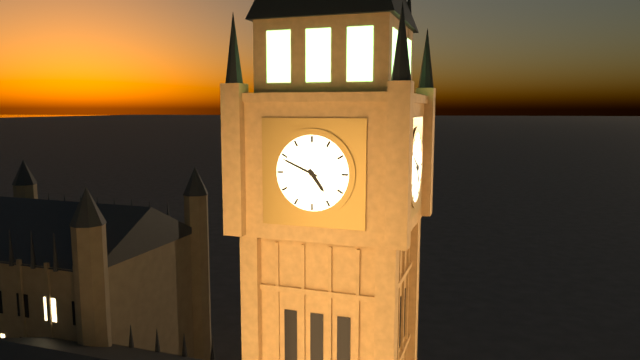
4:49
